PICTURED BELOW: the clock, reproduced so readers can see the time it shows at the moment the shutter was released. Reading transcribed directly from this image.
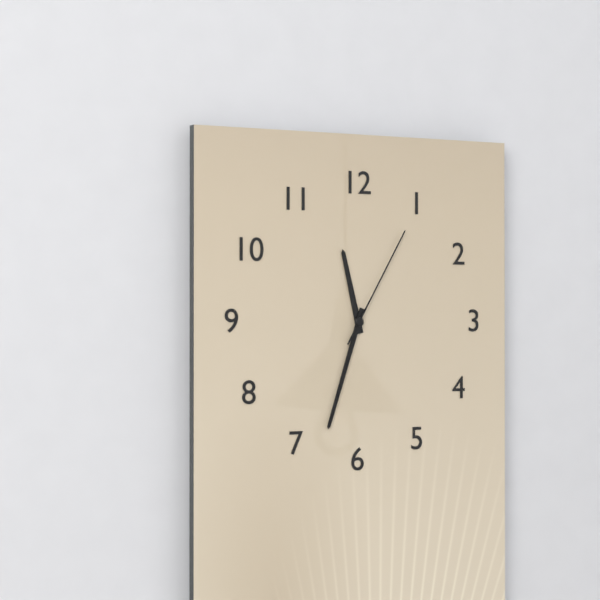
11:33:05
